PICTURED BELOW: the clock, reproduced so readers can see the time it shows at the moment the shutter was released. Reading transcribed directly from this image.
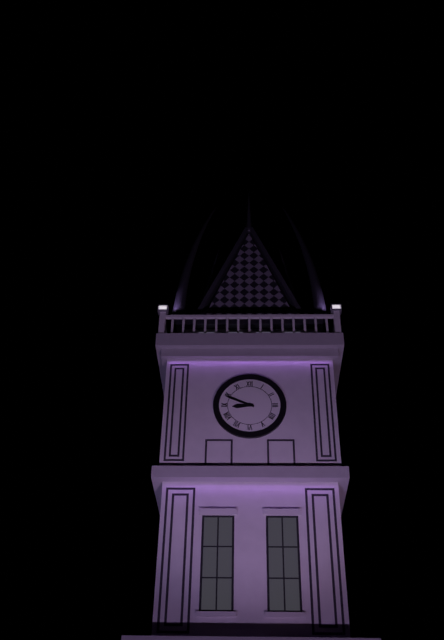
8:49
